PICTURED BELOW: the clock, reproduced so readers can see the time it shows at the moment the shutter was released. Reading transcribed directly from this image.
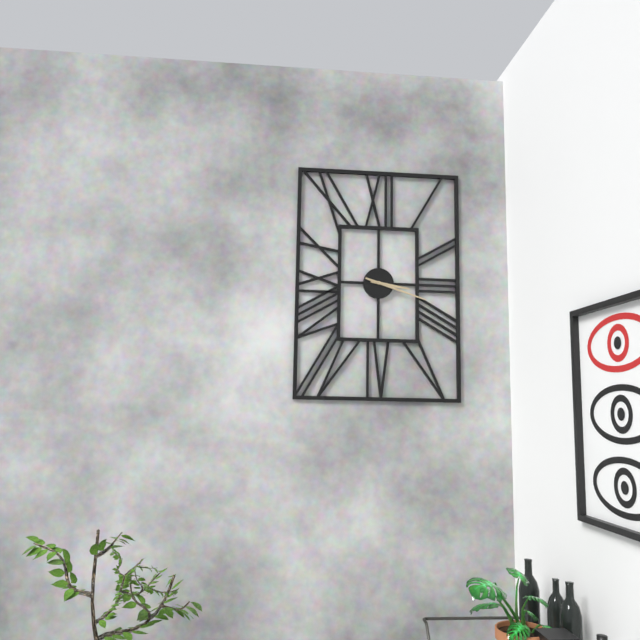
3:18
